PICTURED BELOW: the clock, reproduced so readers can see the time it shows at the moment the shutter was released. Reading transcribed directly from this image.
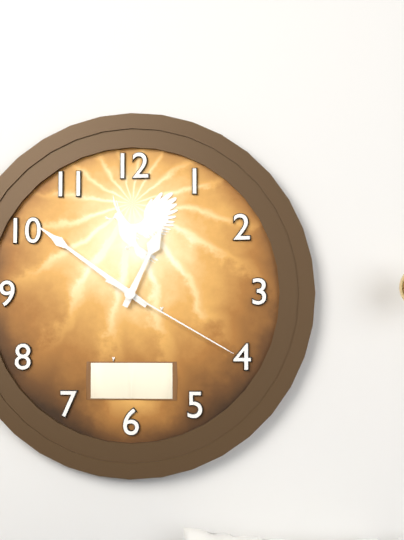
12:51:20
